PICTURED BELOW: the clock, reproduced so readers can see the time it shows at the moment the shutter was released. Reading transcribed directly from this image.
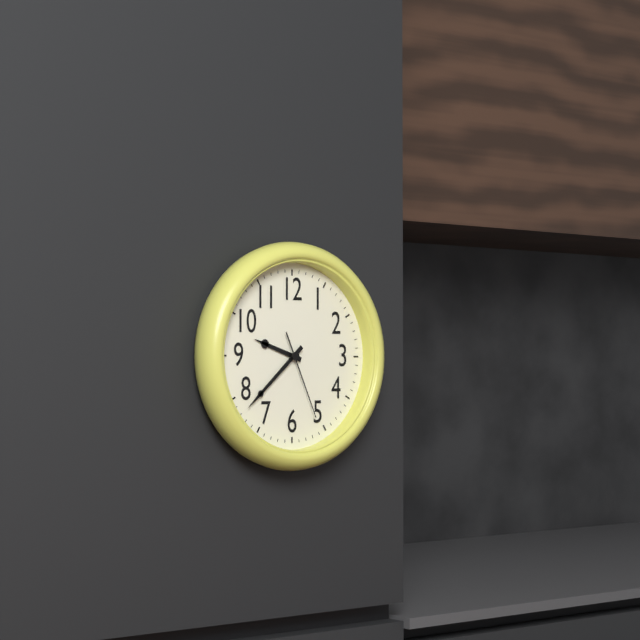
9:38:26
